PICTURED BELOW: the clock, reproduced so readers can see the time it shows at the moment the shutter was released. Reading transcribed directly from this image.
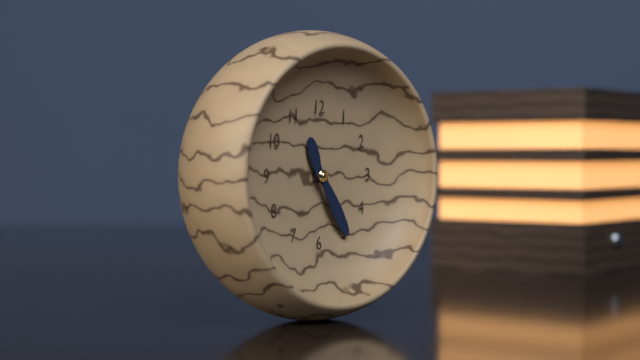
11:25
